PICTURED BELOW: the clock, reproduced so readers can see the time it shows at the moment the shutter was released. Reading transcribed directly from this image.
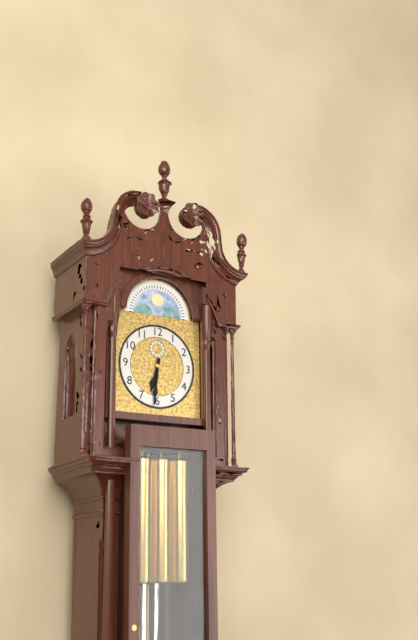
6:31
